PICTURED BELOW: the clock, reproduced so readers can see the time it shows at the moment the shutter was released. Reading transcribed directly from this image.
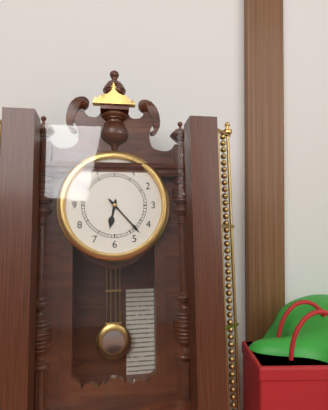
6:23
